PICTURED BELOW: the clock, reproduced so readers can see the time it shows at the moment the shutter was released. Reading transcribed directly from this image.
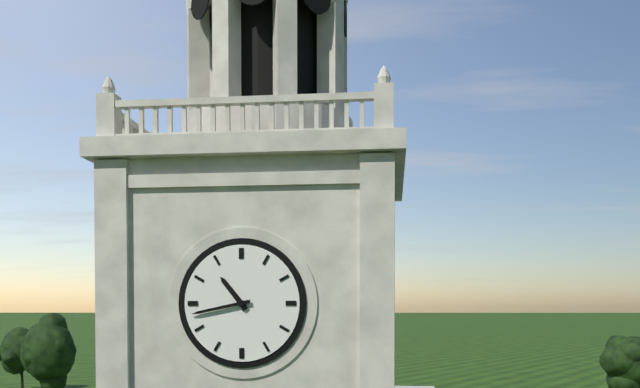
10:43
